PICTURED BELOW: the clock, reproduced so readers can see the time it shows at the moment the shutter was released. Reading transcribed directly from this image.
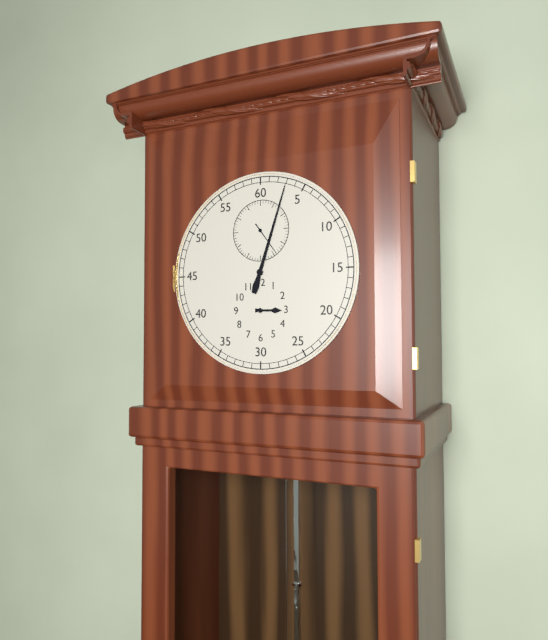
3:03
